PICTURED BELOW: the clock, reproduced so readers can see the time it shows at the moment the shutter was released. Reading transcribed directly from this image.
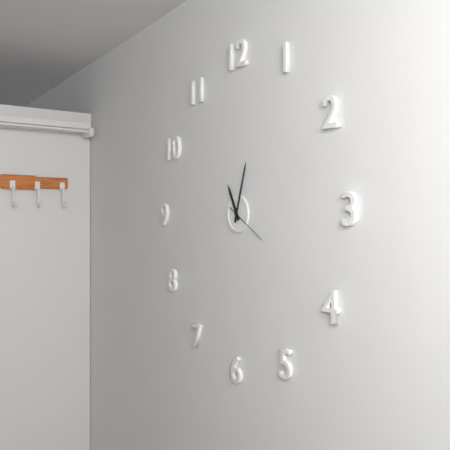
11:03
